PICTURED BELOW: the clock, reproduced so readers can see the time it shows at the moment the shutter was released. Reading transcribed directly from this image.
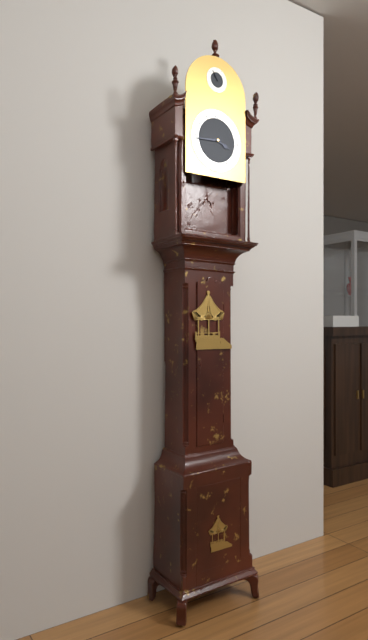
3:44
